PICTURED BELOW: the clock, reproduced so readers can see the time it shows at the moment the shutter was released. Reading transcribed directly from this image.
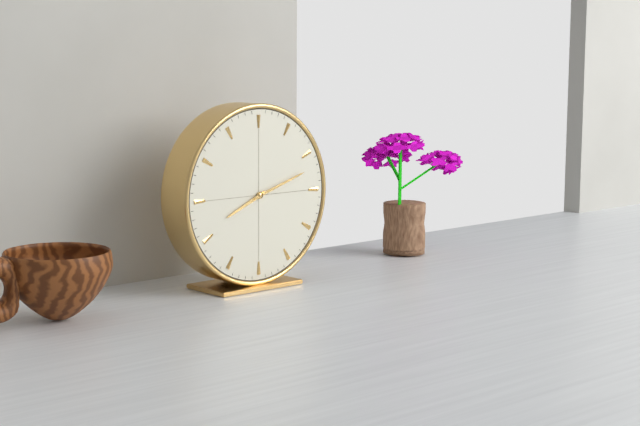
8:12
